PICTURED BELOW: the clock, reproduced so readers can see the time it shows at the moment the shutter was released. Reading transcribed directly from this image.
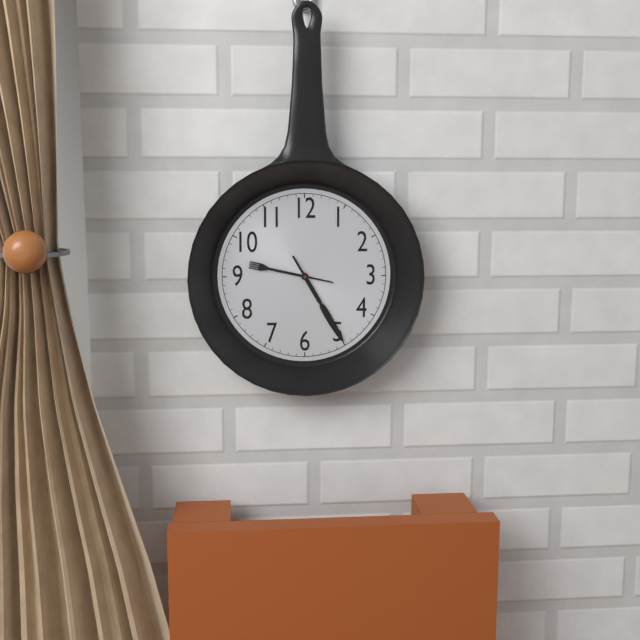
9:25
